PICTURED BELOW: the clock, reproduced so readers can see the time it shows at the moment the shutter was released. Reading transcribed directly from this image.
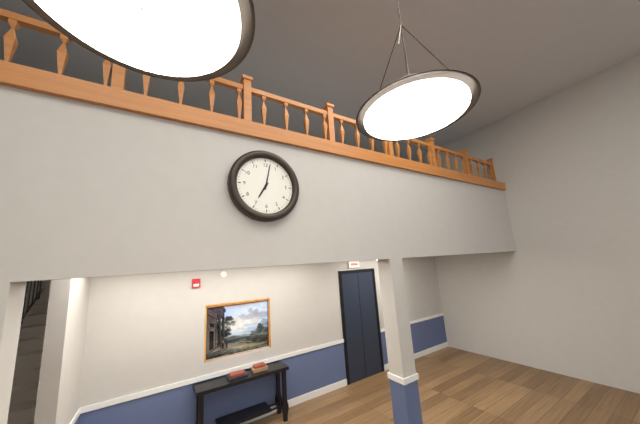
7:02
